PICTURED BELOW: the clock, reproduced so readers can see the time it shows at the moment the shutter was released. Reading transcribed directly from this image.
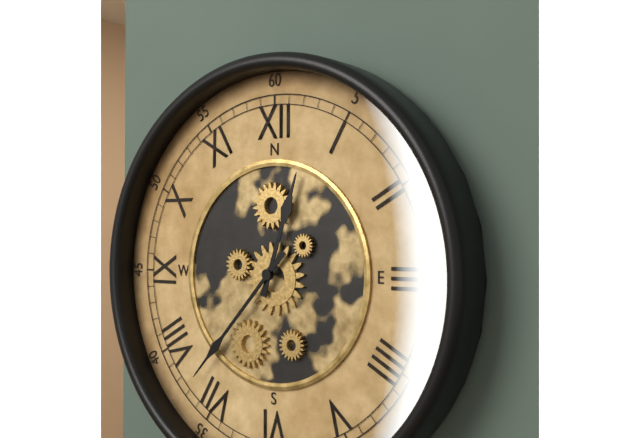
12:37
